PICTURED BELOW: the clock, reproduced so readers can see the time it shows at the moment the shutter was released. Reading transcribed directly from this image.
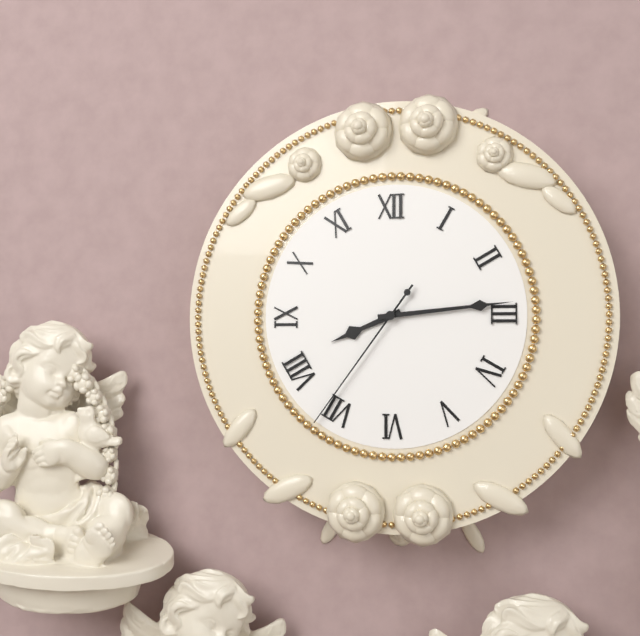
8:14:36
